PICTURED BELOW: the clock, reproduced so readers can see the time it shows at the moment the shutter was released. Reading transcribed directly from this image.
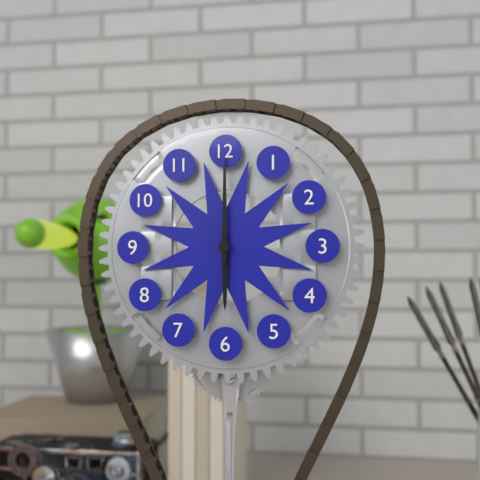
6:00
